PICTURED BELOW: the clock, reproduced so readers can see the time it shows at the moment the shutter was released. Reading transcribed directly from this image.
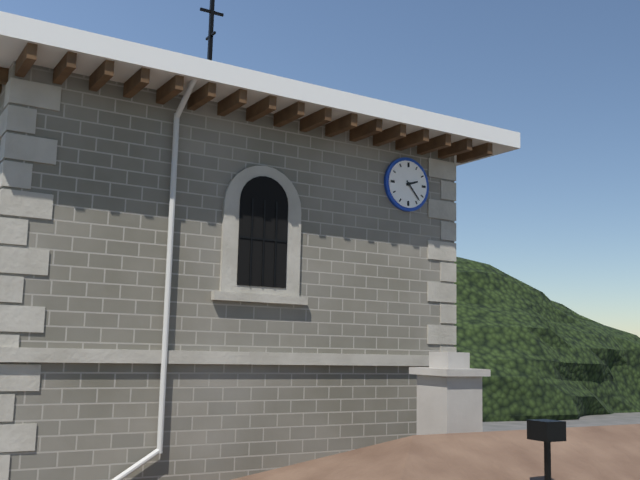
2:23
